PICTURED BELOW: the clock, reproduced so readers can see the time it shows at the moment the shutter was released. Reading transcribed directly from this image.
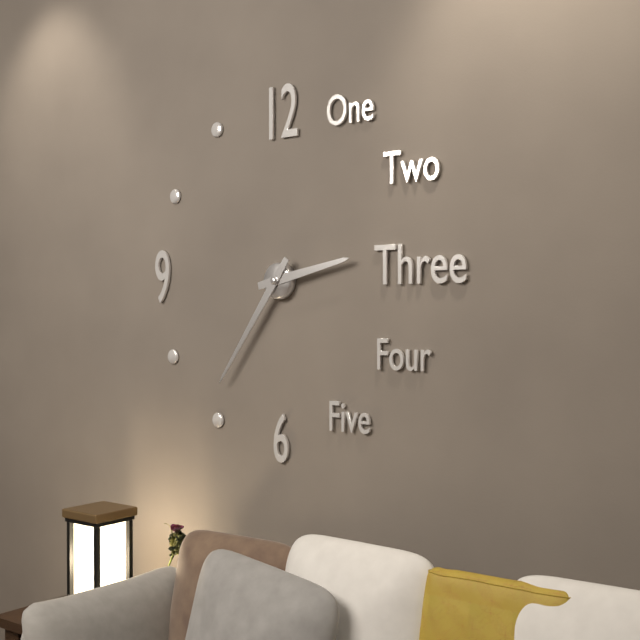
2:36
